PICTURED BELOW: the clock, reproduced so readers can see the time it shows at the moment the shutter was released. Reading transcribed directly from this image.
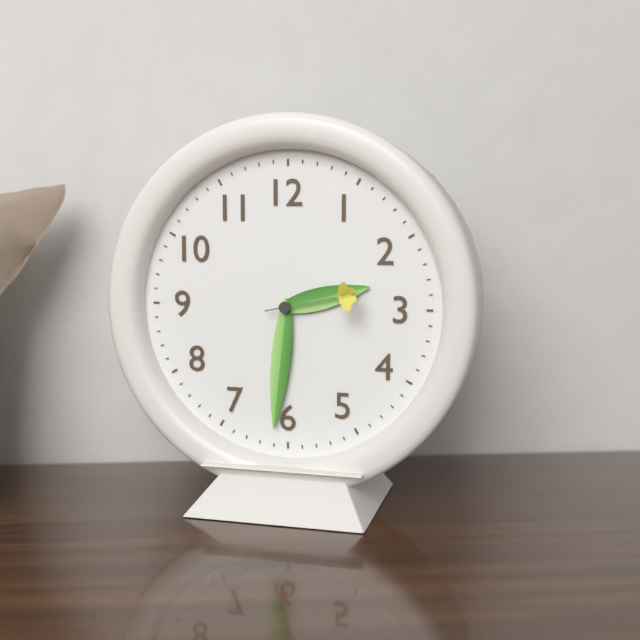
2:31:13
